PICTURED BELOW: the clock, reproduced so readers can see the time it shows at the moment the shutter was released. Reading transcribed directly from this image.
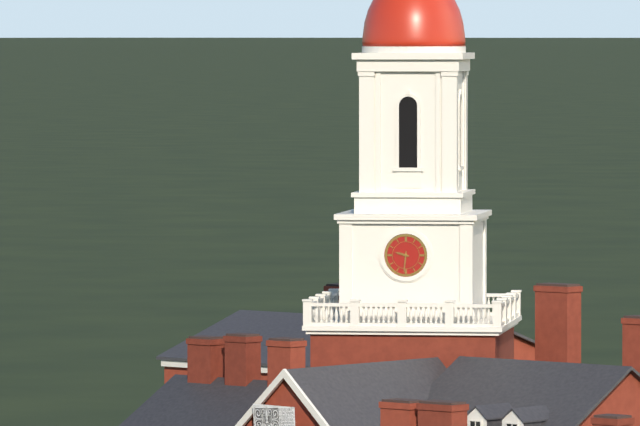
9:31
